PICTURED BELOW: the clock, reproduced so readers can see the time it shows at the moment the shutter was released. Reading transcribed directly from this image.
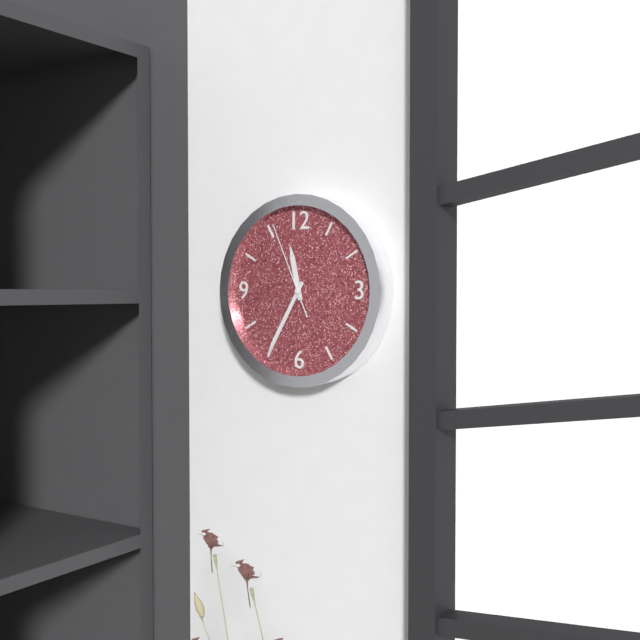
11:35:56
